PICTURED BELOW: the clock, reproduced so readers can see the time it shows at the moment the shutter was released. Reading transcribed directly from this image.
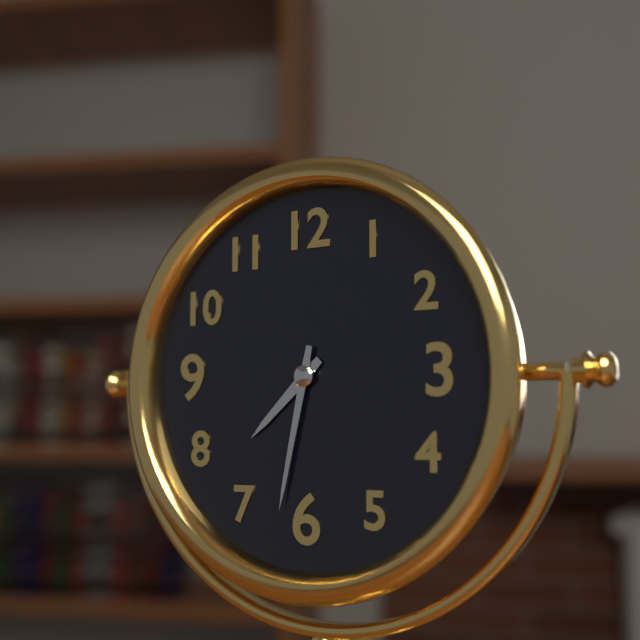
7:32
